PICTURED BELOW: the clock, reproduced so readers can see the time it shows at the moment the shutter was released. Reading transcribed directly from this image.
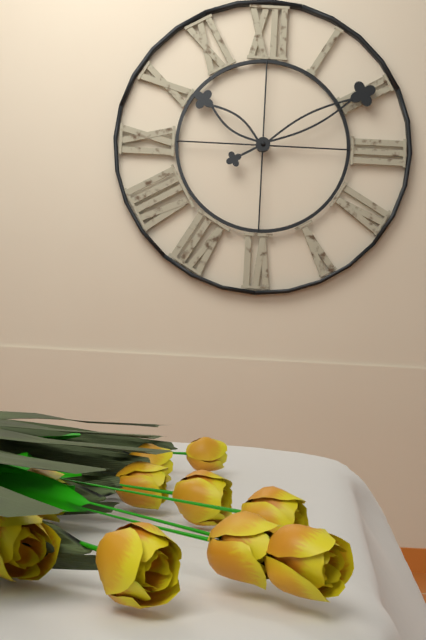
10:10
